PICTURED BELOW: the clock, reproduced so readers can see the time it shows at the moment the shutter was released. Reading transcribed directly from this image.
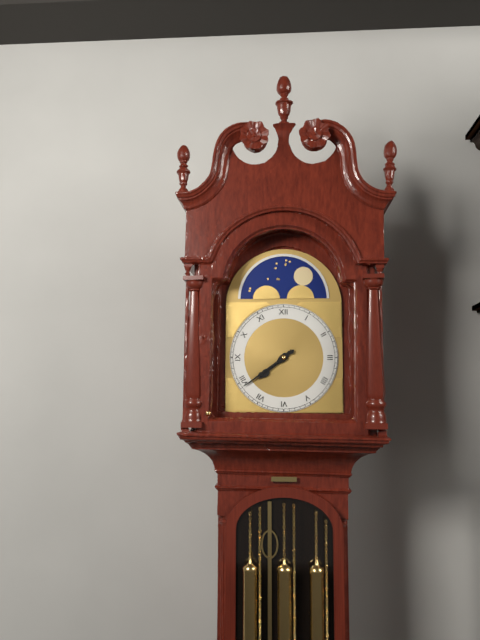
7:39
